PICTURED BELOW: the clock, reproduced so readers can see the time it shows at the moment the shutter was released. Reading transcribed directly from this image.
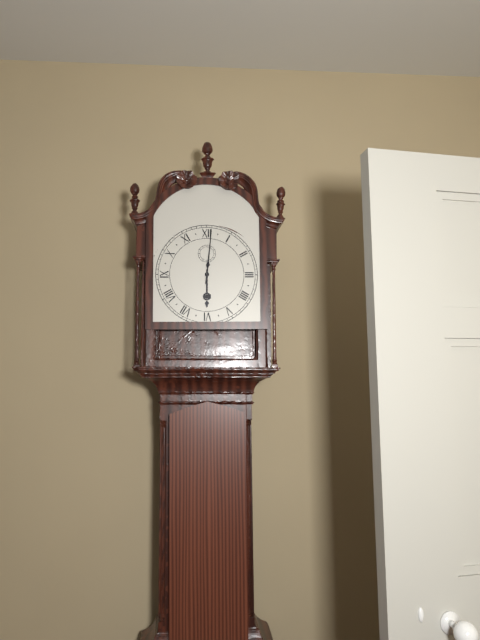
6:01
